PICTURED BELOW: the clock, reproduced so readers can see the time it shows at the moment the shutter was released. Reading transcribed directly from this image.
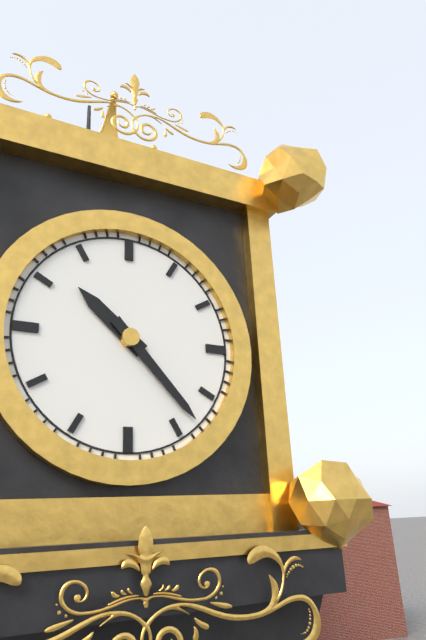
10:23
